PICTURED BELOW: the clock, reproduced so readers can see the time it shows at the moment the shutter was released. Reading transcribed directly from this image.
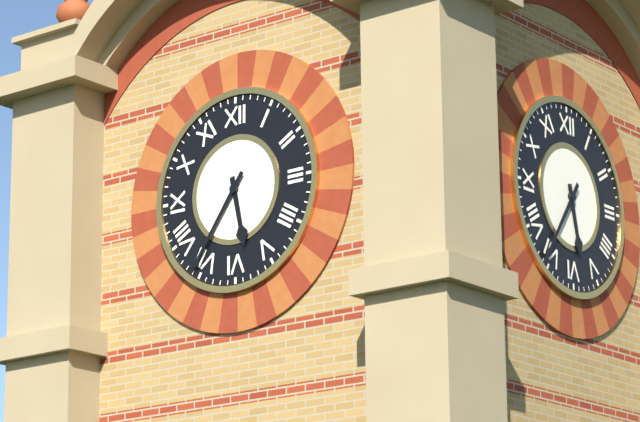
5:36
